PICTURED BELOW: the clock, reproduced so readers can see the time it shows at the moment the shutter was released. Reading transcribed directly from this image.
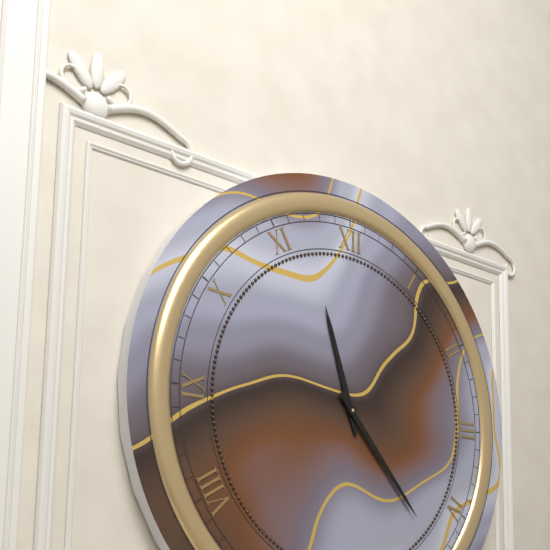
11:23
